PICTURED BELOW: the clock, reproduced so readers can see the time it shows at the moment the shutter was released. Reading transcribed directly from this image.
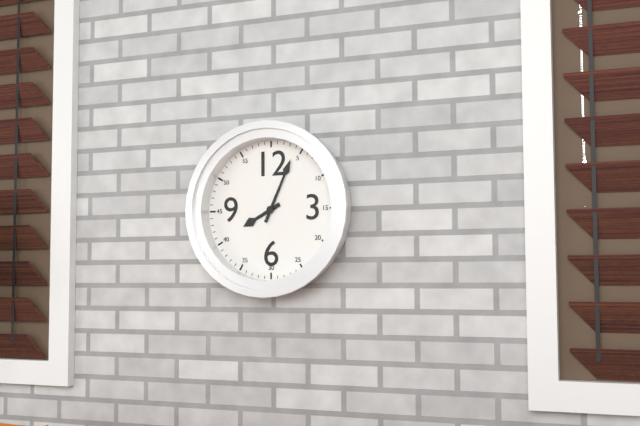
8:04
